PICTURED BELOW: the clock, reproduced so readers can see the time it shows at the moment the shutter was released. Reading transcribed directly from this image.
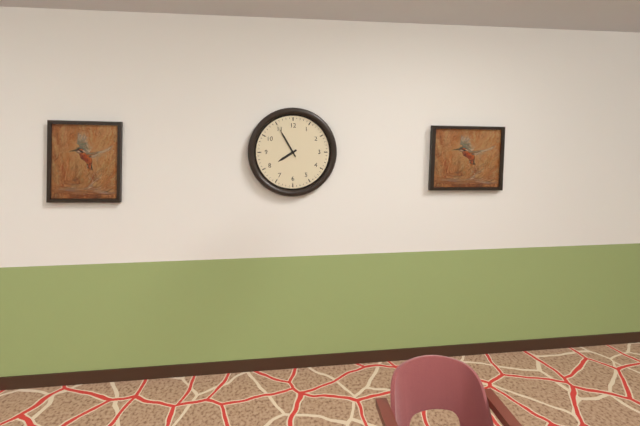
7:55
